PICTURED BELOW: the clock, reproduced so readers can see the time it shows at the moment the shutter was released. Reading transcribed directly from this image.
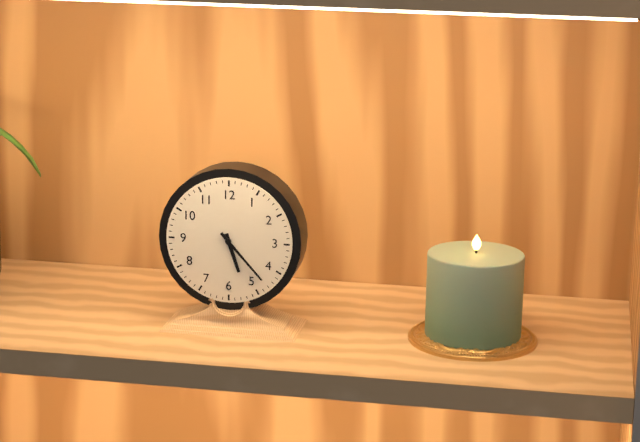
5:23
